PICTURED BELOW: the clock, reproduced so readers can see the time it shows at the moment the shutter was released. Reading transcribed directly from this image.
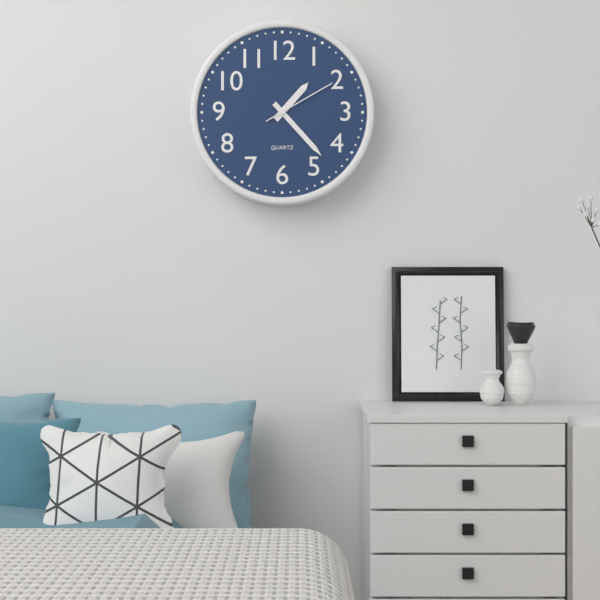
1:23:10
